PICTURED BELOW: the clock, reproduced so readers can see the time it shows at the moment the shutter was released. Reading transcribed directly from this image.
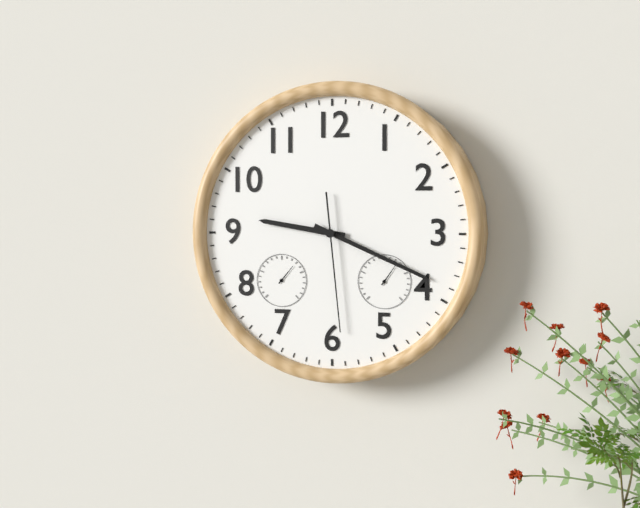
9:19:29
